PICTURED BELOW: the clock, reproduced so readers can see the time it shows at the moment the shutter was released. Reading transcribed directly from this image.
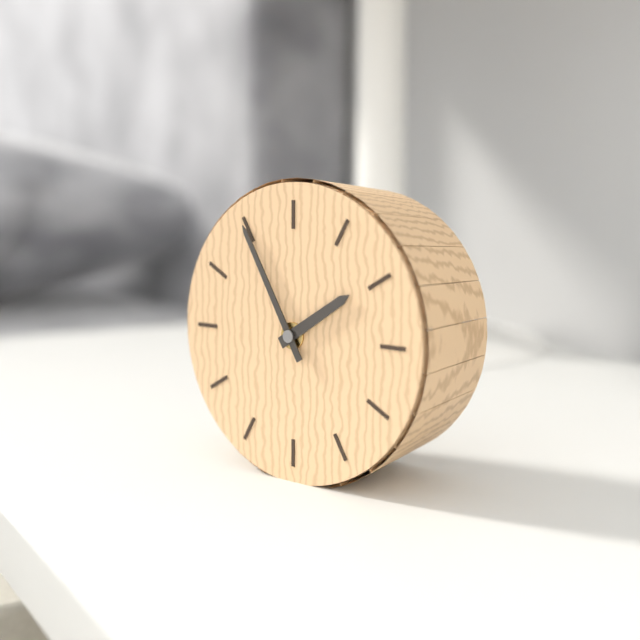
1:55
